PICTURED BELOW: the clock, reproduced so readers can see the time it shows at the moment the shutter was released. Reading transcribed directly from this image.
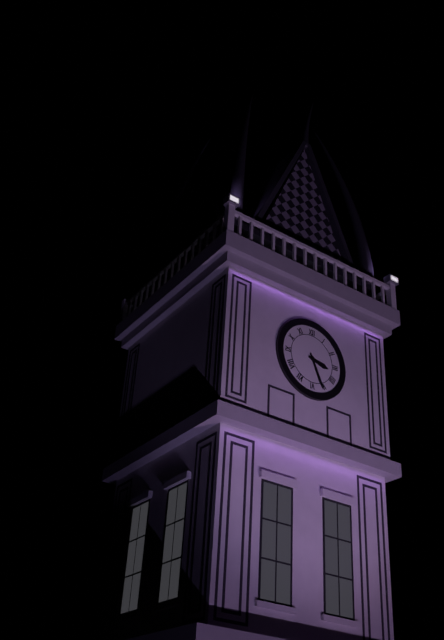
3:26
